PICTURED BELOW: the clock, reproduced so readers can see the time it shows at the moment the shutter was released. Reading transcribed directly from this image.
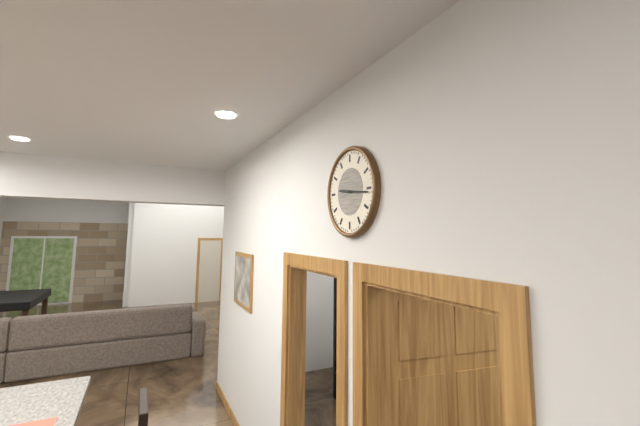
9:16
